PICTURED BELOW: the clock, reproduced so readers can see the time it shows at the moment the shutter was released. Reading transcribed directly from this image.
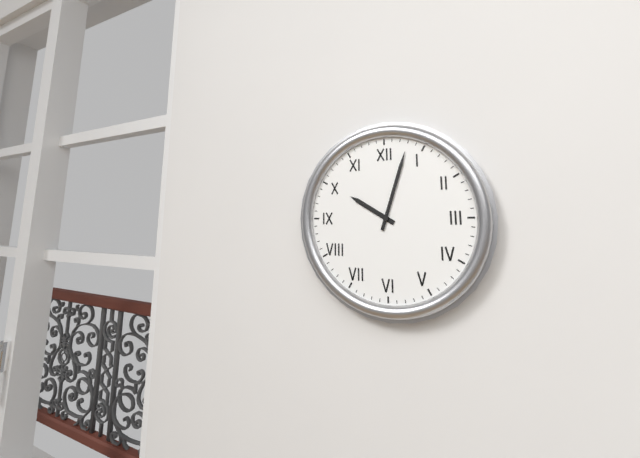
10:03
